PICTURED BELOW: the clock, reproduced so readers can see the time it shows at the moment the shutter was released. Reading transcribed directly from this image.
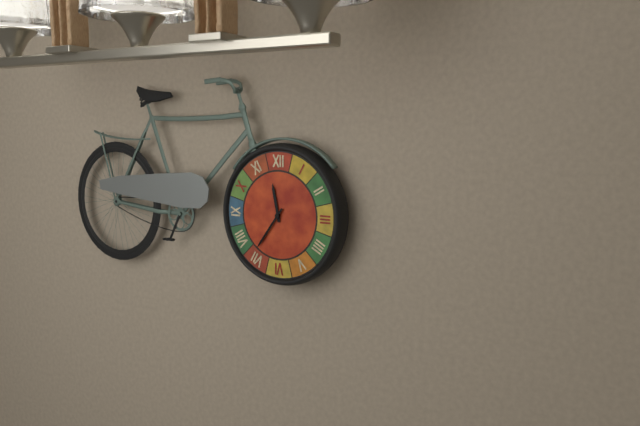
11:36
